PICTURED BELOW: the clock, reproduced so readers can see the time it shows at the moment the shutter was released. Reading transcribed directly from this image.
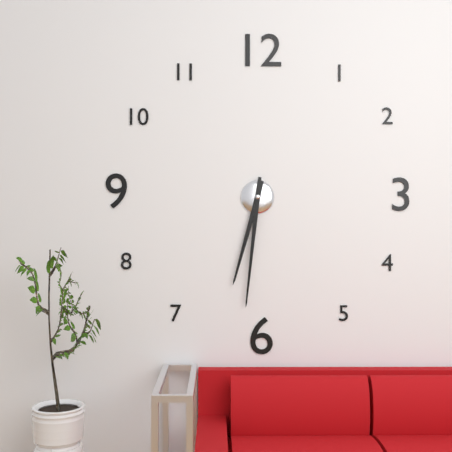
6:31
